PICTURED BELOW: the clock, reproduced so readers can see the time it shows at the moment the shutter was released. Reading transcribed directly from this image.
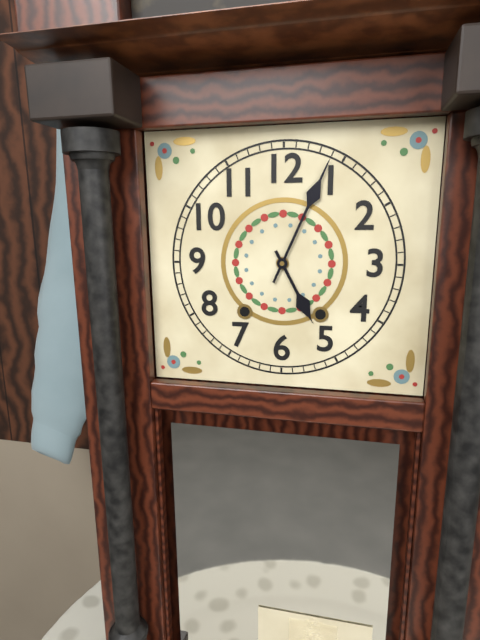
5:04
